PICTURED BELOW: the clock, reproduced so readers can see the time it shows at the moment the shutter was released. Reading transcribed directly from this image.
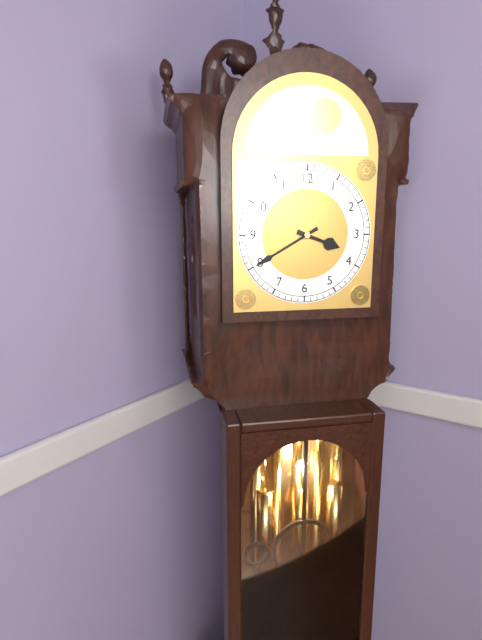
3:40
